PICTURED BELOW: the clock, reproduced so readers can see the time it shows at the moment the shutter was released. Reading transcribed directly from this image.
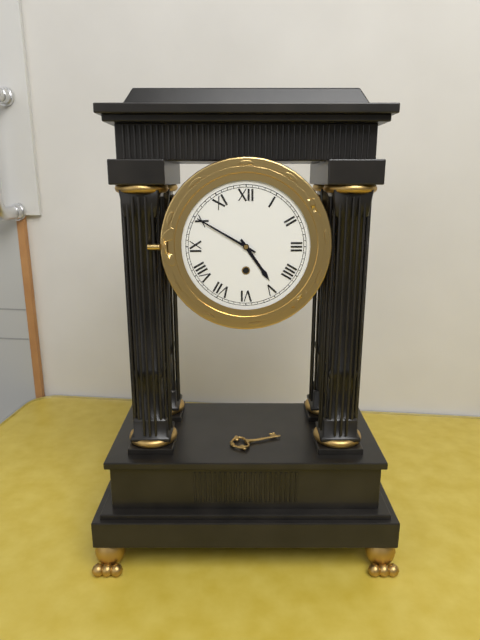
4:50
